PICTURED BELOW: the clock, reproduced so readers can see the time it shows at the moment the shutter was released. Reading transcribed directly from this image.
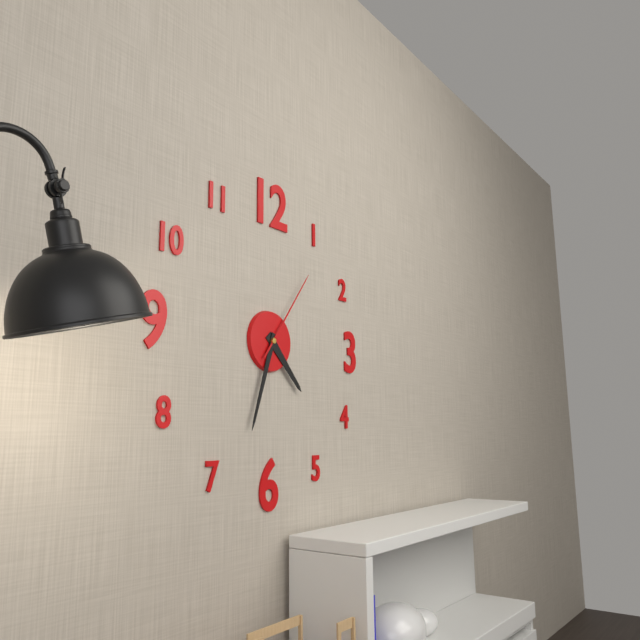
4:33:06
